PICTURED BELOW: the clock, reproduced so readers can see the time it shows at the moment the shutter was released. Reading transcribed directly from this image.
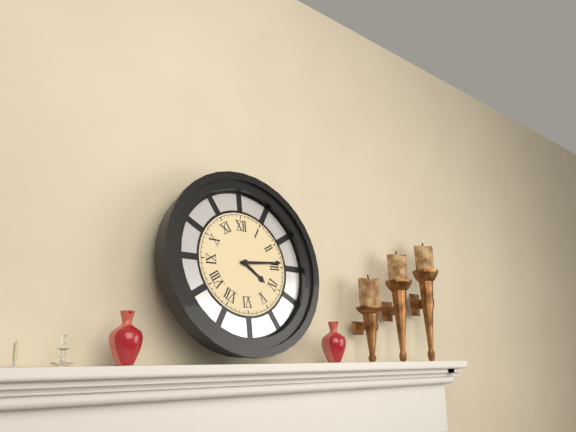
4:14
